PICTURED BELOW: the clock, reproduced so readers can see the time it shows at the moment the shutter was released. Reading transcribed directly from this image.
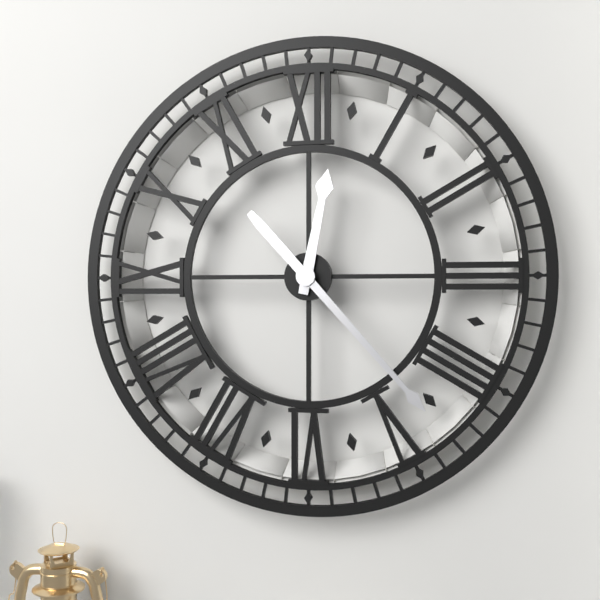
12:23
